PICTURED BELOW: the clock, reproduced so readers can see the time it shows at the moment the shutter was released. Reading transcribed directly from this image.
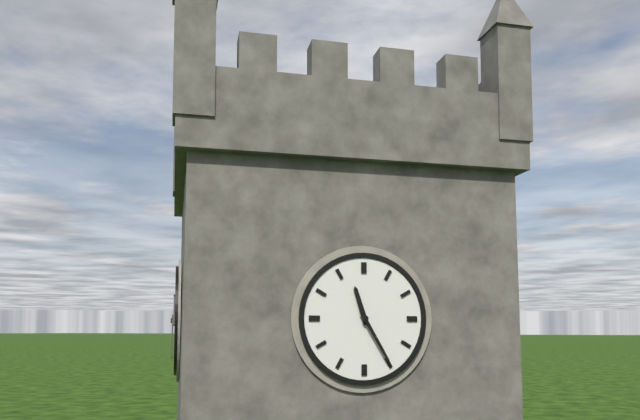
11:25
